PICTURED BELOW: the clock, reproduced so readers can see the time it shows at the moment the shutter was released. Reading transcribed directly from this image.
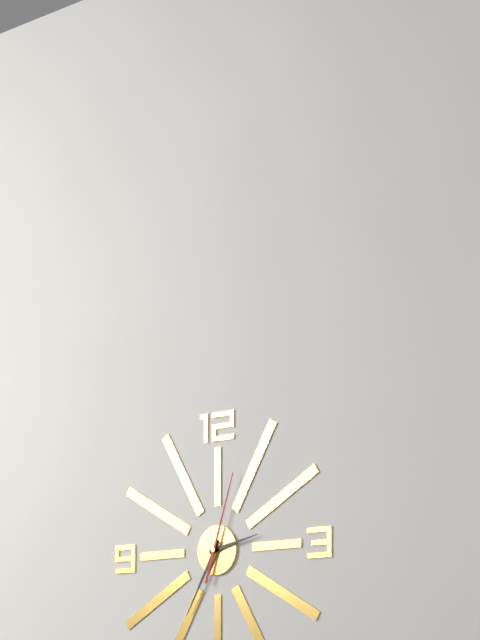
2:35:03
